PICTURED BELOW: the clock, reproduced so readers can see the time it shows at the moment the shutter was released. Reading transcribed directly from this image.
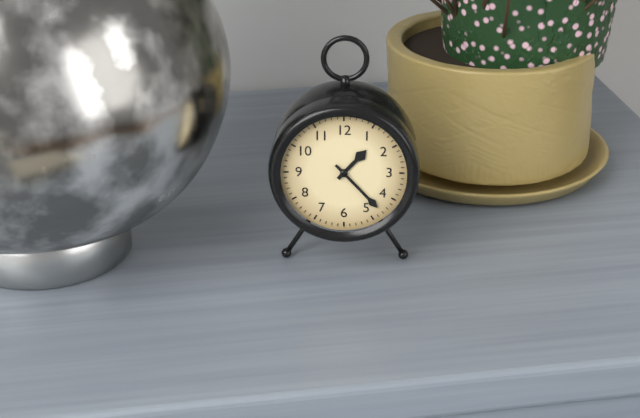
1:23
